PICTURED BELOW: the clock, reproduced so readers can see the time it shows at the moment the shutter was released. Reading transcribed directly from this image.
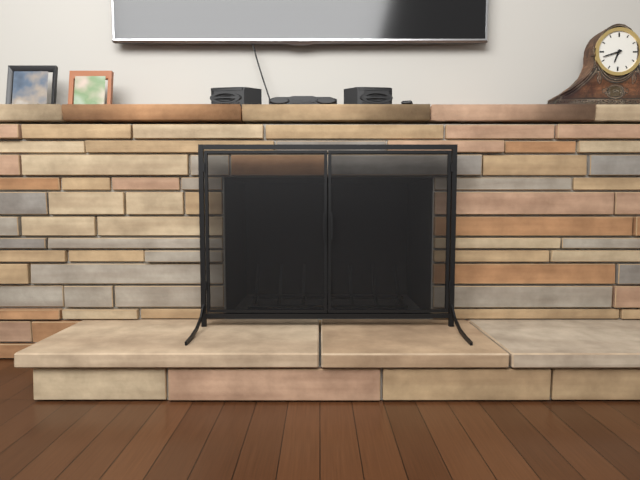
6:42
